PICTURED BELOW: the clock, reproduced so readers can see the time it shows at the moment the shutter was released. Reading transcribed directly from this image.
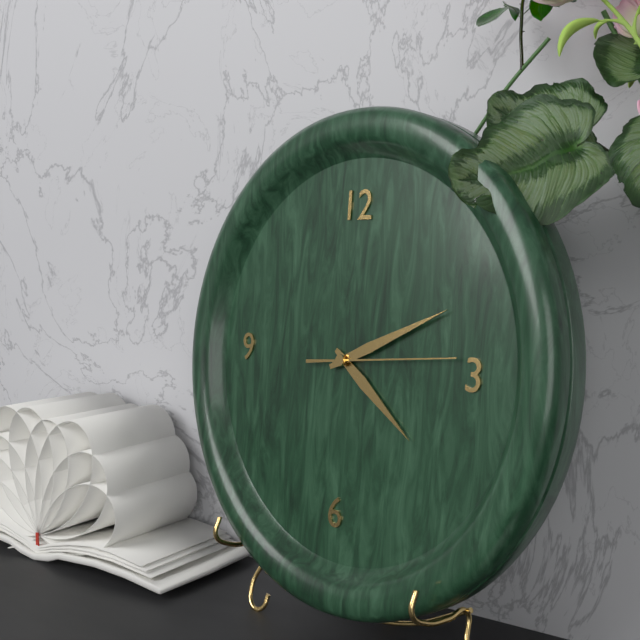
4:11:14
